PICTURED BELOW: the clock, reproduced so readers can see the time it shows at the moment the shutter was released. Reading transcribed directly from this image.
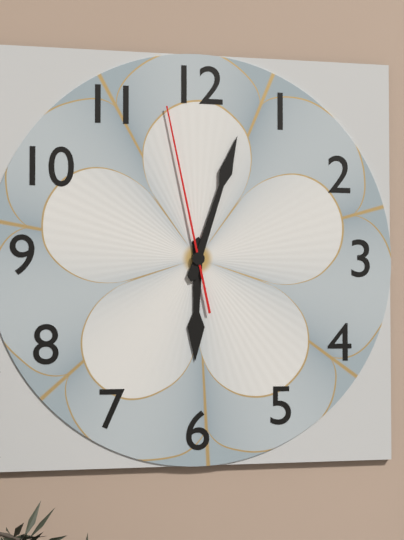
6:03:58
